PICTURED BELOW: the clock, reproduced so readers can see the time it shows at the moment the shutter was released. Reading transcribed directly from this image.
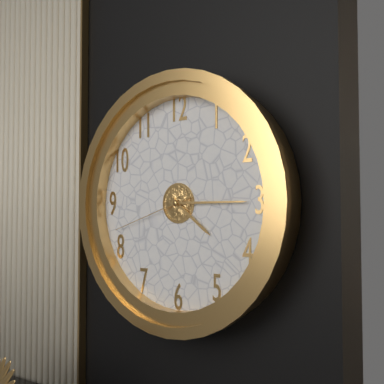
4:15:42
